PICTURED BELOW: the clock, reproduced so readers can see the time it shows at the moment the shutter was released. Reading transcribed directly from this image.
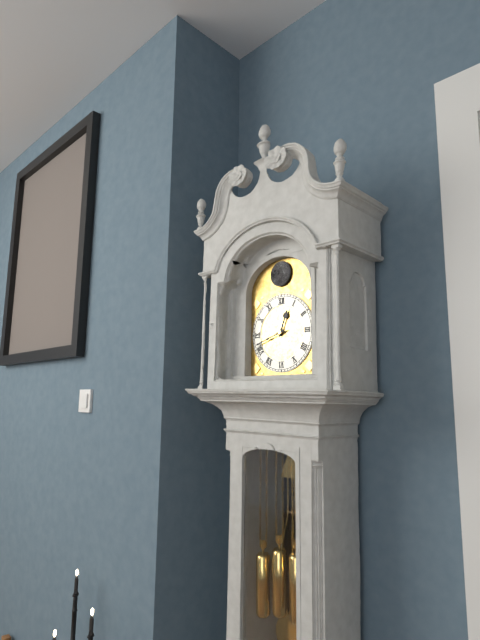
12:42
